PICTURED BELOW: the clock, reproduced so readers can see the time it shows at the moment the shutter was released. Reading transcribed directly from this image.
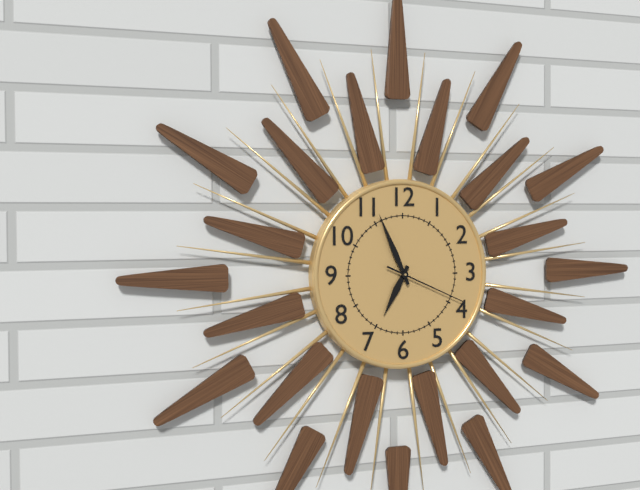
6:56:19
